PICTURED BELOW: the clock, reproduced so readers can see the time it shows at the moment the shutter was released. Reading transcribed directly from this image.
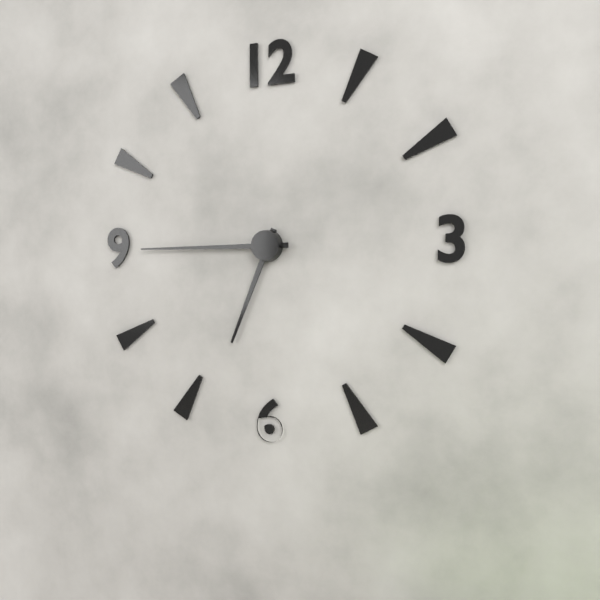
6:45
